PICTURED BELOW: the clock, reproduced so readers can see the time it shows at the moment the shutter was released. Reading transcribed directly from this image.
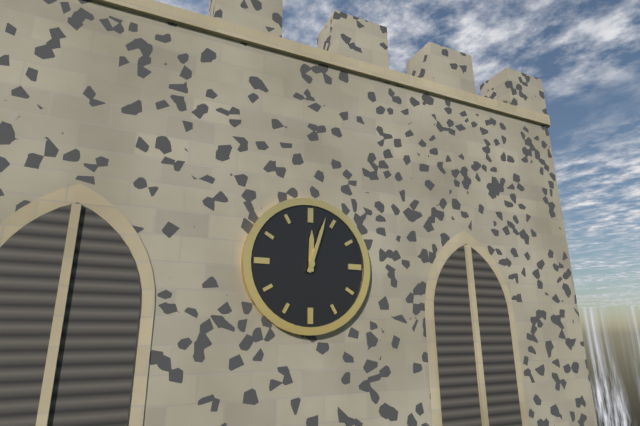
12:03
